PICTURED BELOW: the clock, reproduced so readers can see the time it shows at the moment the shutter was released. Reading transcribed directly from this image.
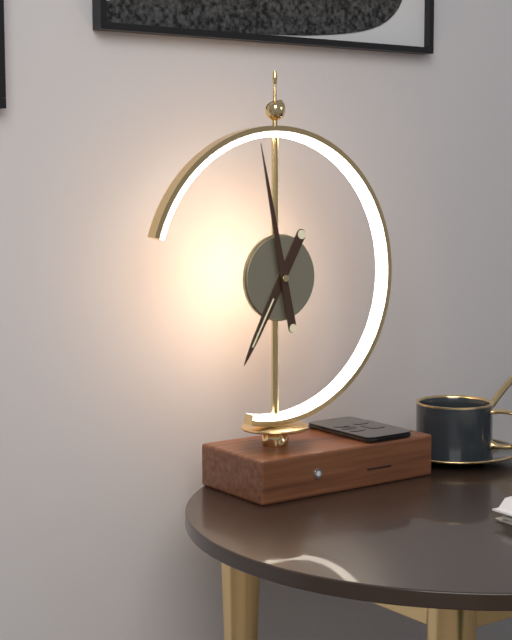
6:58
